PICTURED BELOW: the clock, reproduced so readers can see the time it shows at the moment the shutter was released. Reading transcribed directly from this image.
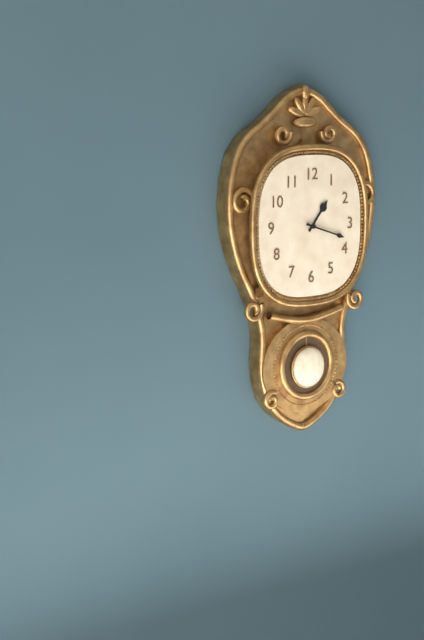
1:18
